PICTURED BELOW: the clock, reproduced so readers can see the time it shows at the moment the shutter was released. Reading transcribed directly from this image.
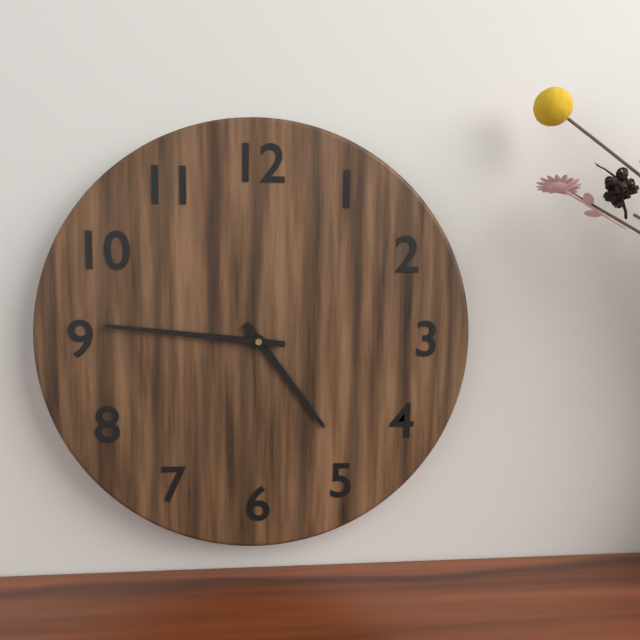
4:46
